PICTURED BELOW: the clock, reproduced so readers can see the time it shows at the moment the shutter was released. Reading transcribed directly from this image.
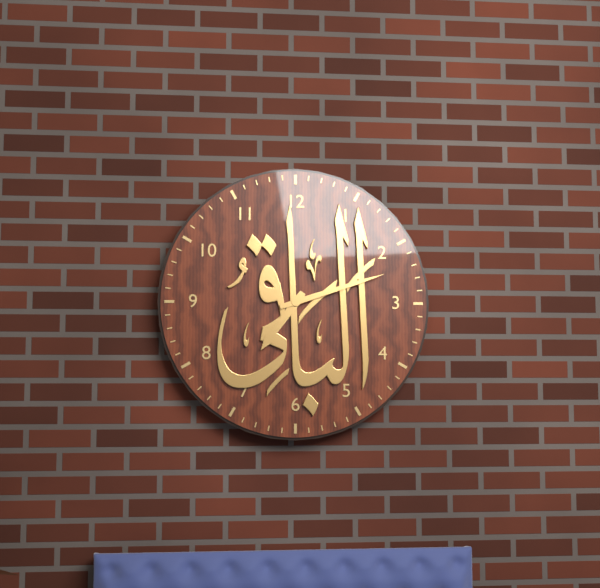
7:12
